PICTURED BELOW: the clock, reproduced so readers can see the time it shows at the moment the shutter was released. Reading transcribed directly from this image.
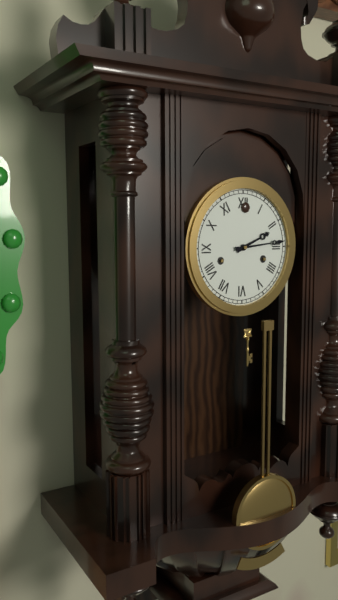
2:14
